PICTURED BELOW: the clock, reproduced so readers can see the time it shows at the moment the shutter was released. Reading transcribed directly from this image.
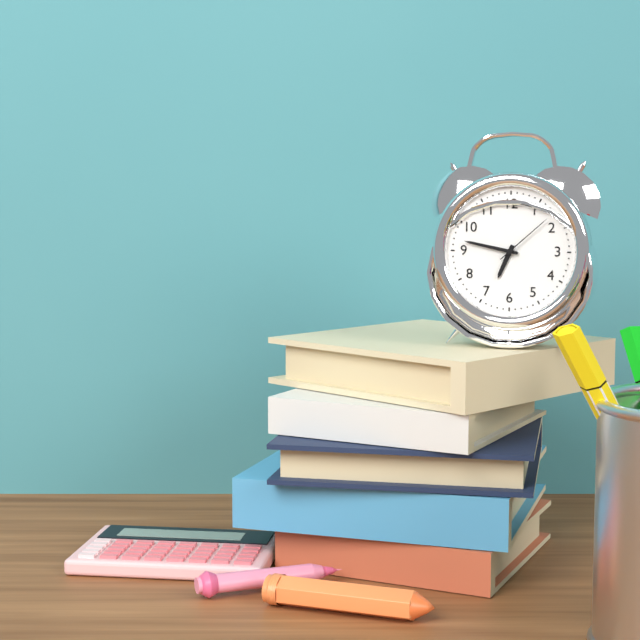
6:47:08
